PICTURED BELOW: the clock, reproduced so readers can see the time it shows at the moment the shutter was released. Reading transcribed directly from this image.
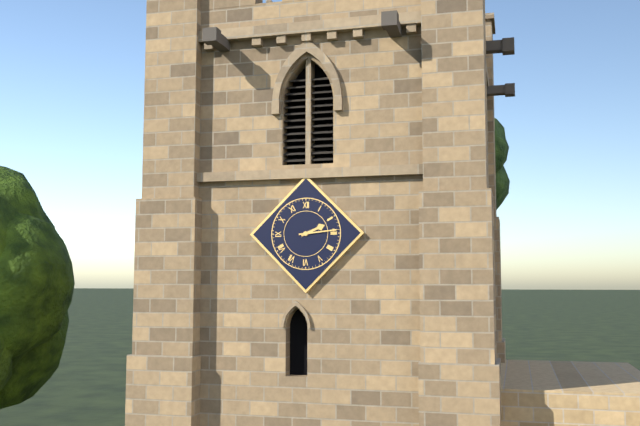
2:14
